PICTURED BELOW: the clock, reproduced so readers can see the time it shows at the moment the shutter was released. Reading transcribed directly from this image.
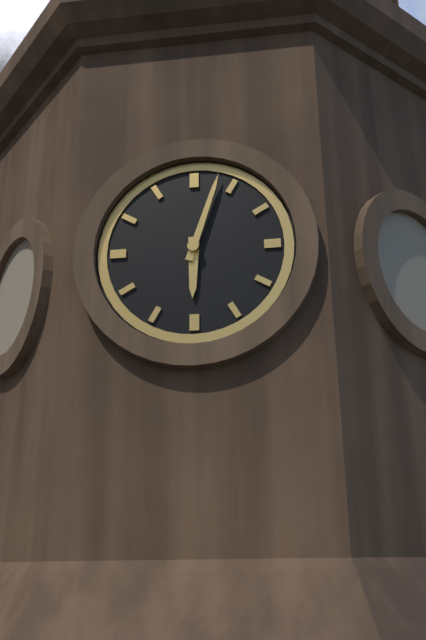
6:03
